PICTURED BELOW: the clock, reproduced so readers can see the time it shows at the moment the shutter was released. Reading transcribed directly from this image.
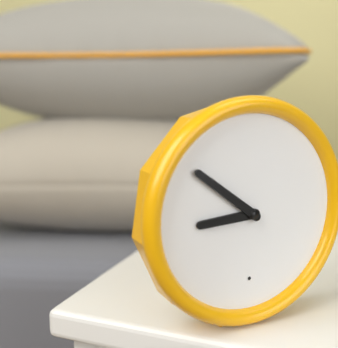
8:51
